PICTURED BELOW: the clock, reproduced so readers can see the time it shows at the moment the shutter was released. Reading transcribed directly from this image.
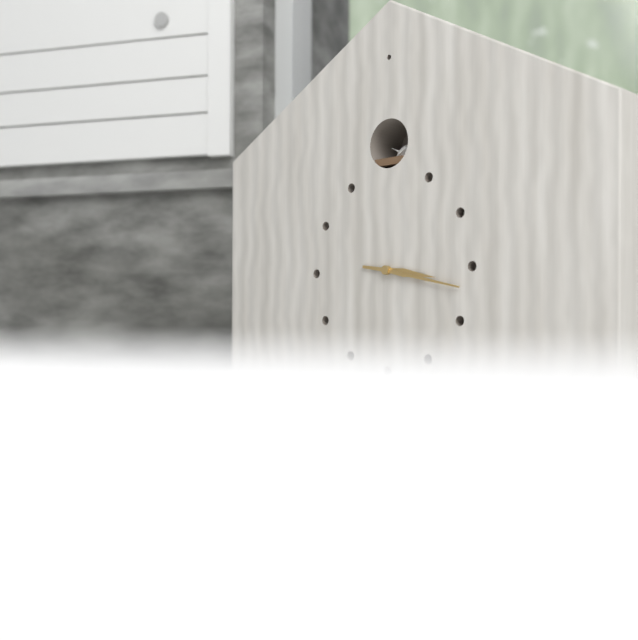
3:17
